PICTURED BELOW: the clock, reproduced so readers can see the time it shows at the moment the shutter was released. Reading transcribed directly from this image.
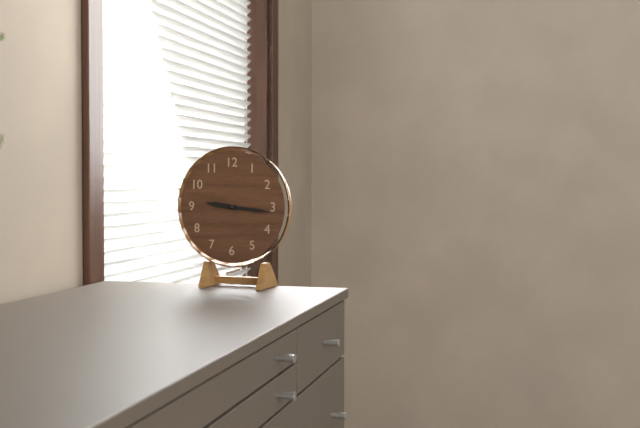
9:16
